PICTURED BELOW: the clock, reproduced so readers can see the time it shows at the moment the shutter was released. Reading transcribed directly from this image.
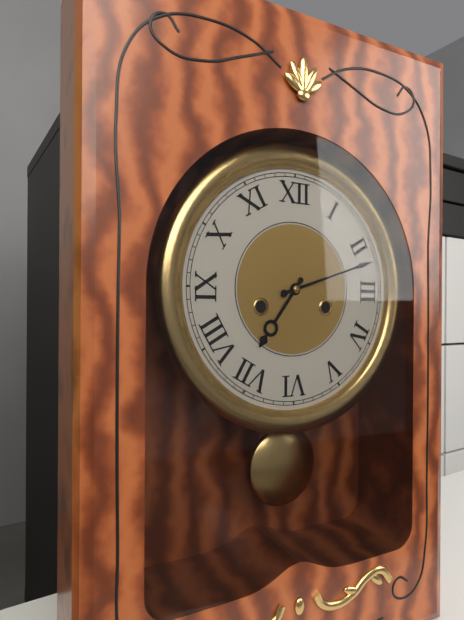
7:12
